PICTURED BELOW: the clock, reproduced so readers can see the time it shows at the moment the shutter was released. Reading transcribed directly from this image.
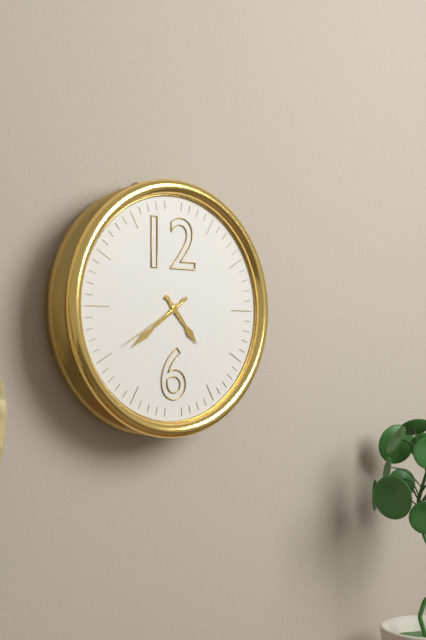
4:39:40
